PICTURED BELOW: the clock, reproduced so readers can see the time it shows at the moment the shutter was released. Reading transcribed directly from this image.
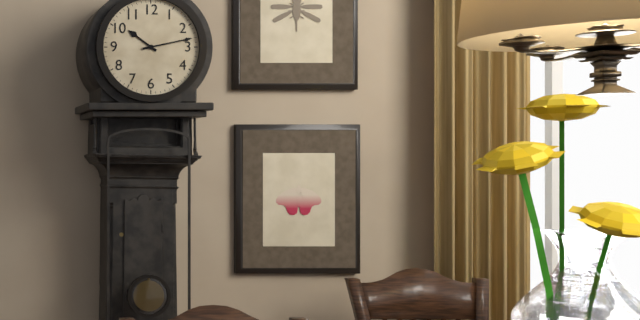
10:13
